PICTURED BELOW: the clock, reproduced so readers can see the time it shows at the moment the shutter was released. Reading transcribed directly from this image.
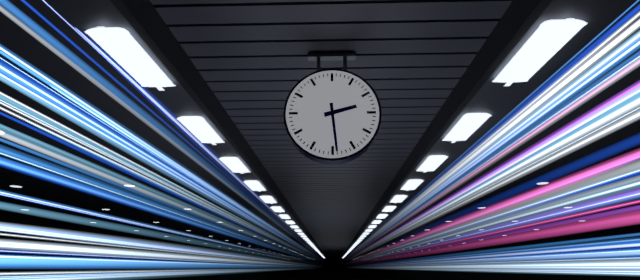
2:29
